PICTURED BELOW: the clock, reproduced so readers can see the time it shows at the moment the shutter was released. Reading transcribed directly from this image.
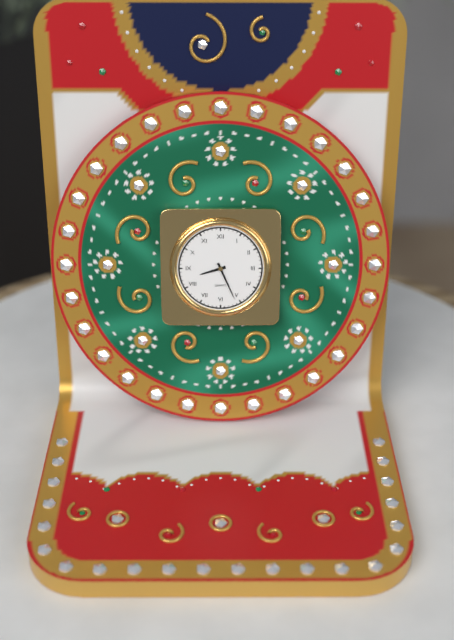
8:26
